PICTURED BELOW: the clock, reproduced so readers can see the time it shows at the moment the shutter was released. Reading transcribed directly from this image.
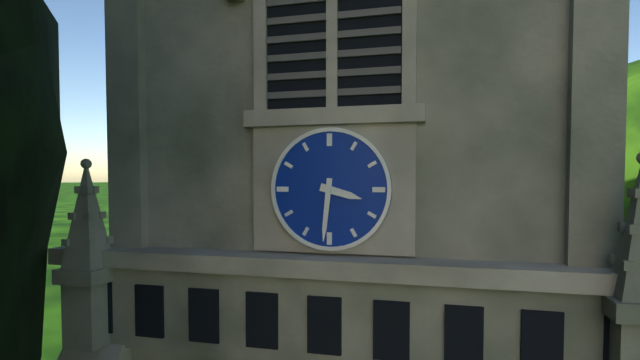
3:31
